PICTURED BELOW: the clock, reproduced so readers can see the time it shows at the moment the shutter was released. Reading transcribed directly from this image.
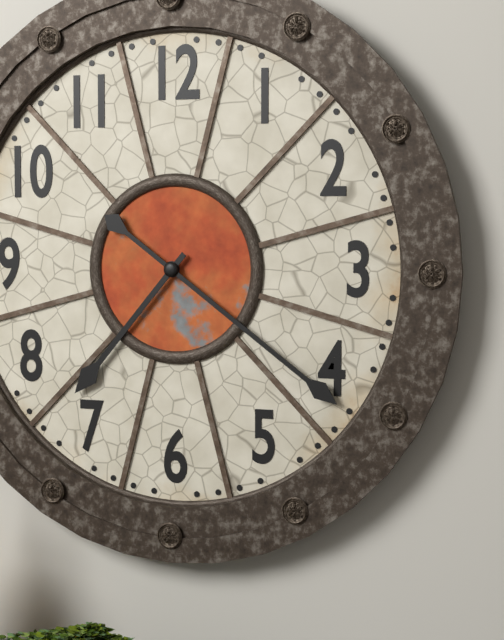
7:21
